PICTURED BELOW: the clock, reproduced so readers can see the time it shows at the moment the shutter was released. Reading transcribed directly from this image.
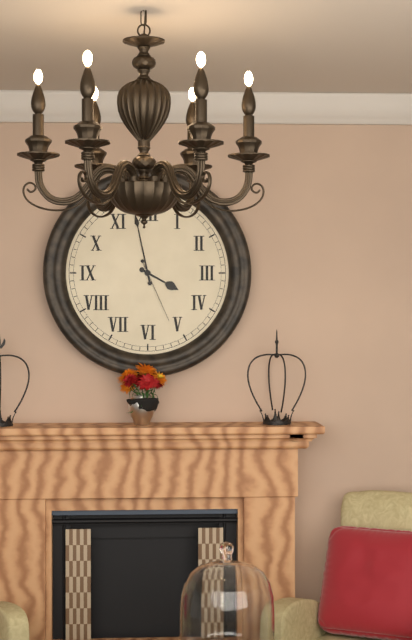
3:58:26
